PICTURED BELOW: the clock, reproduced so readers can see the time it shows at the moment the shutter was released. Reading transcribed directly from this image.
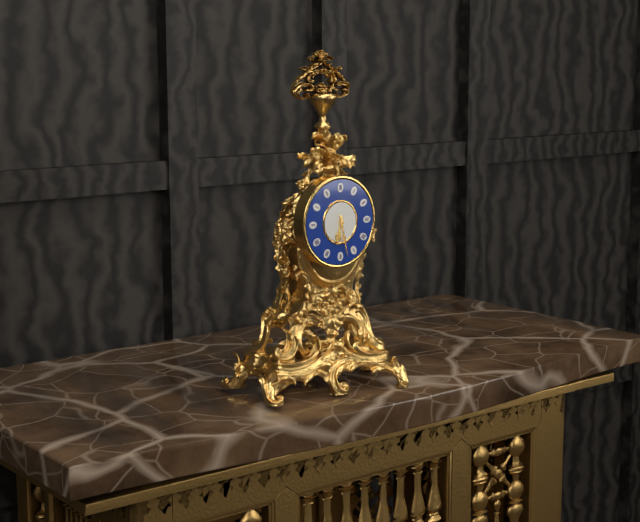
6:28
